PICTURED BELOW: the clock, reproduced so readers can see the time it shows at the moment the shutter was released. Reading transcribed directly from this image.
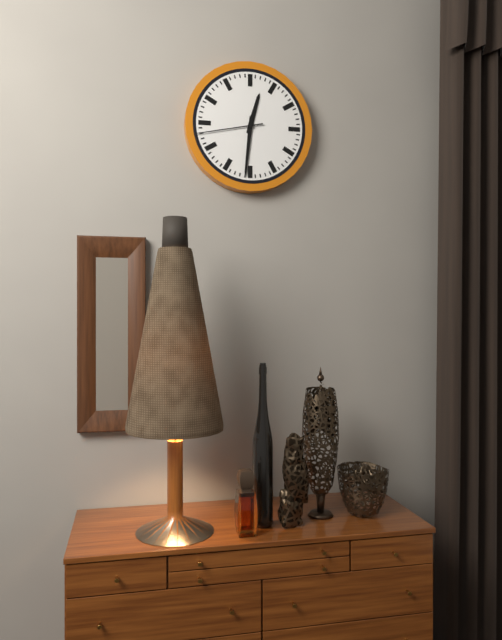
12:31:43
